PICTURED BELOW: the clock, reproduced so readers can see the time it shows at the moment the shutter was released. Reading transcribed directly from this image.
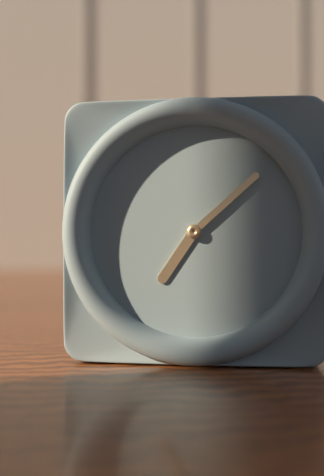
7:08
